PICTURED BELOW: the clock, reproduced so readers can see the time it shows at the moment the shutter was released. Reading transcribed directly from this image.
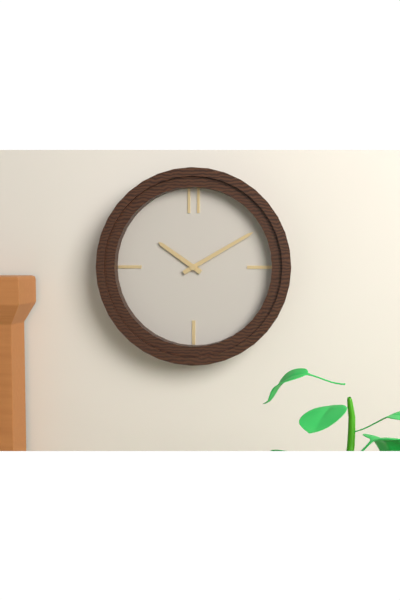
10:10
